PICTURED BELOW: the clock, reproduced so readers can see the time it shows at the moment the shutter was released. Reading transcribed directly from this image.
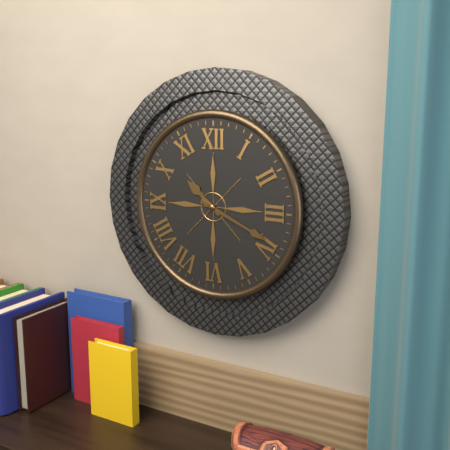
10:19
